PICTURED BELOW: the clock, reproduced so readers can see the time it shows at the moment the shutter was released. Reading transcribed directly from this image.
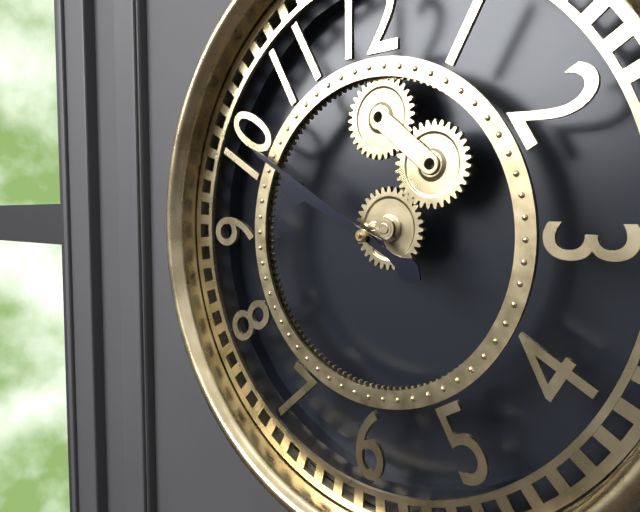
9:50
